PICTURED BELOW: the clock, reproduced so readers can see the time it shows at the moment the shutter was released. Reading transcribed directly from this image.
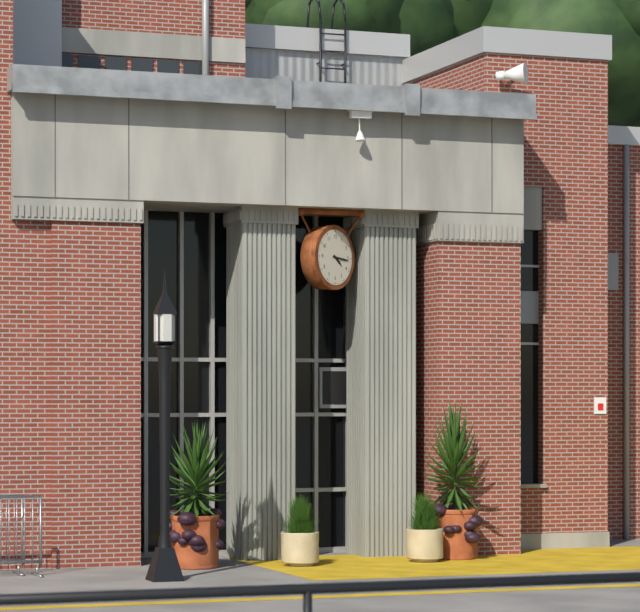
4:16
